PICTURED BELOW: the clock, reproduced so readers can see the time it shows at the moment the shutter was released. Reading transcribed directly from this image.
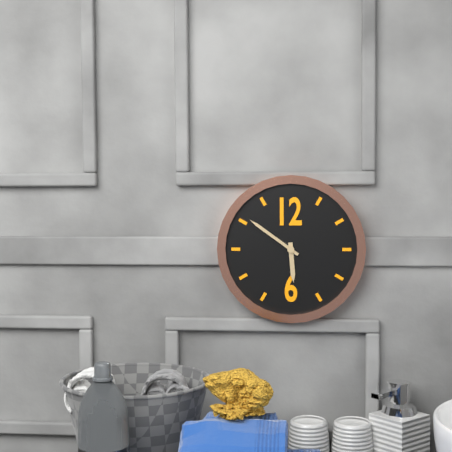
5:51
